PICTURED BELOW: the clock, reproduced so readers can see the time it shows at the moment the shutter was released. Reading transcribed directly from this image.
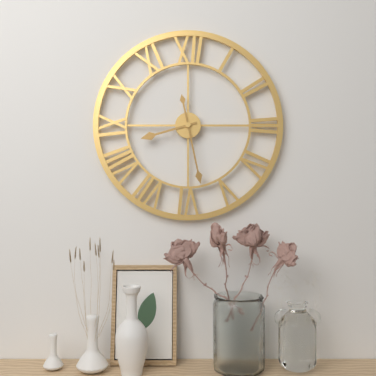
8:28
